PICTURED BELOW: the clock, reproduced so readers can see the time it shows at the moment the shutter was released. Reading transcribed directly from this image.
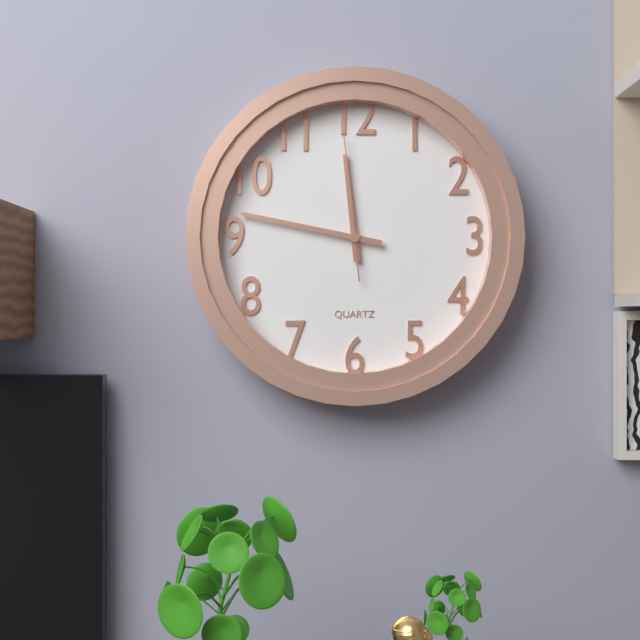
11:47:59
